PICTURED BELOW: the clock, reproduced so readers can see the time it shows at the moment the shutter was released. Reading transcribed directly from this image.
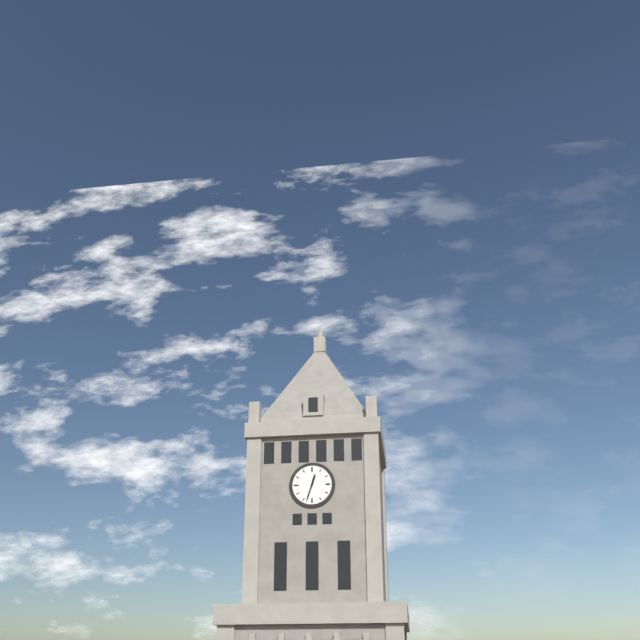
12:33
